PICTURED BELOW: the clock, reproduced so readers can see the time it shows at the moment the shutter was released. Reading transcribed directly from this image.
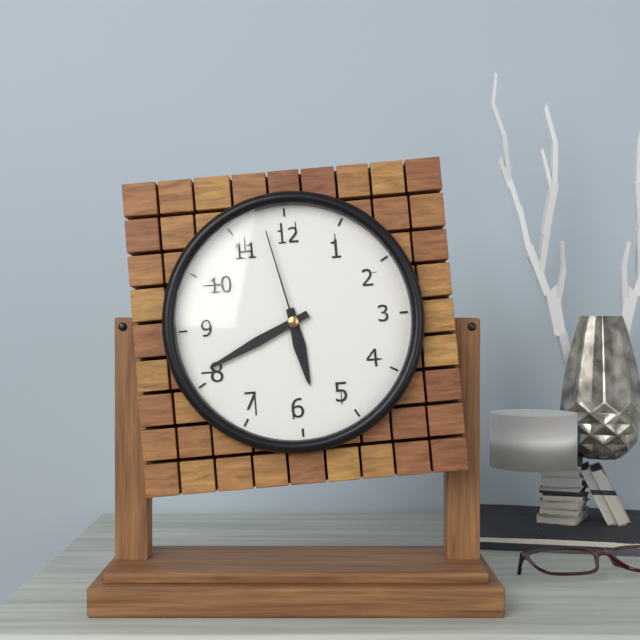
5:41:58
